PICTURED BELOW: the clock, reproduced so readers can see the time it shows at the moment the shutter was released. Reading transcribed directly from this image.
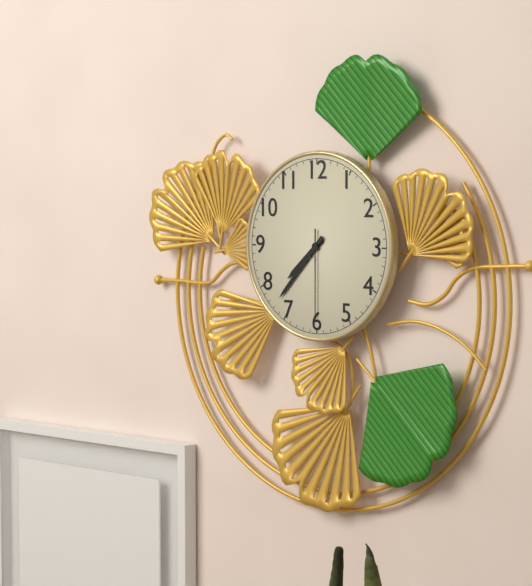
7:37:30
